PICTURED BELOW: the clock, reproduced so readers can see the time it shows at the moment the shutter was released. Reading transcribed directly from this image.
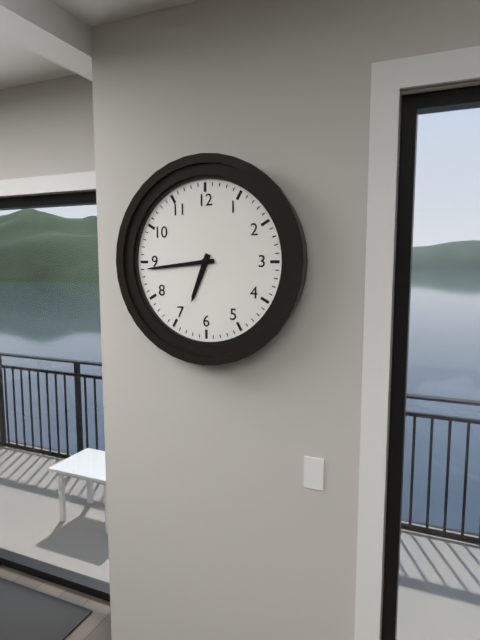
6:44
